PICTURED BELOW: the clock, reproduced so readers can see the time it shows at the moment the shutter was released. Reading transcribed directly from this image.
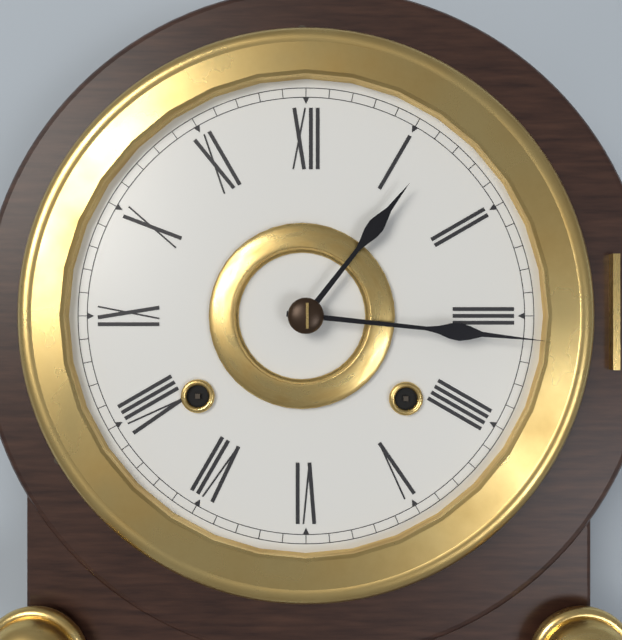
1:16
